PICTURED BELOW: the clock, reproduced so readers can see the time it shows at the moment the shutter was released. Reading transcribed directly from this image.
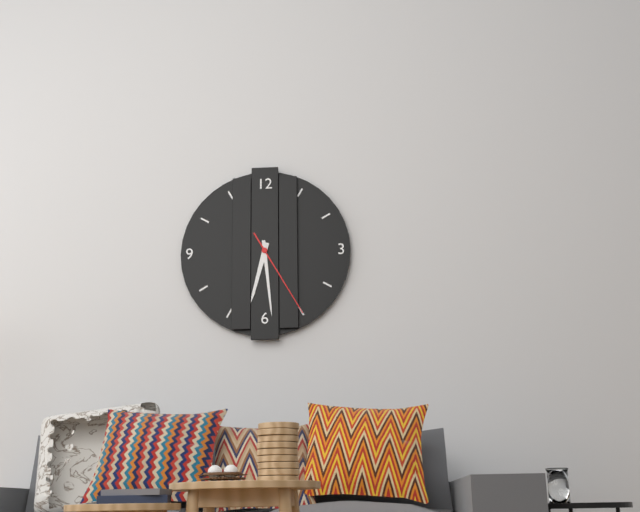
6:29:25
